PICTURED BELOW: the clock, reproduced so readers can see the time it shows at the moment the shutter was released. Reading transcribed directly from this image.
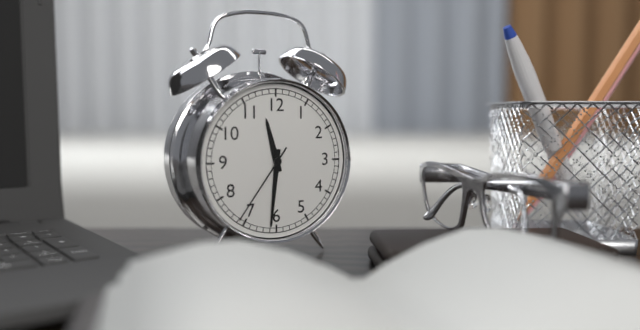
11:31:36
